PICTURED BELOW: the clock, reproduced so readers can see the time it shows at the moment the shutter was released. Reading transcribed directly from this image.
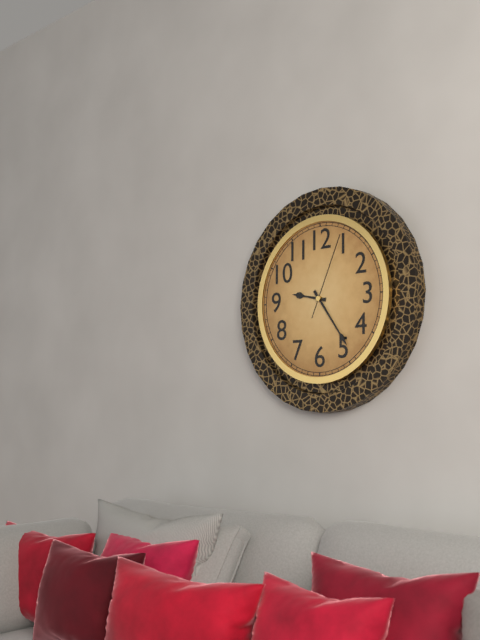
9:24:04
